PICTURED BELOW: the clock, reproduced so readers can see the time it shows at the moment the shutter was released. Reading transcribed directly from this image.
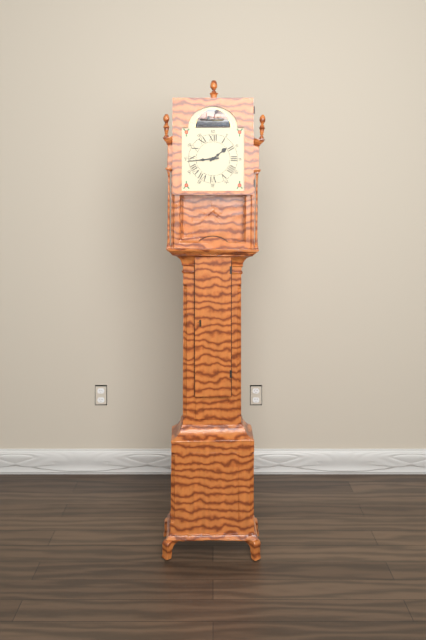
1:44
